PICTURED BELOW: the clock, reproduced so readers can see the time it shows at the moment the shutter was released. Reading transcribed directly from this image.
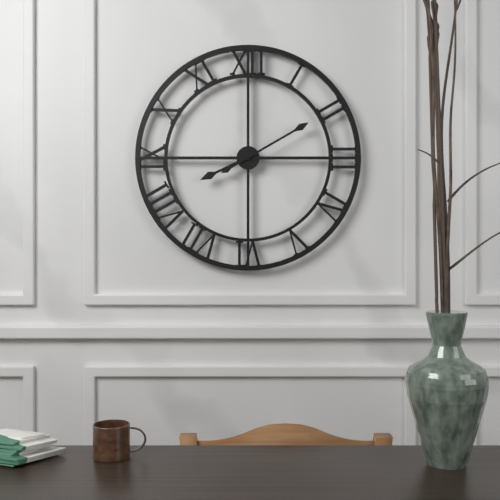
8:10
